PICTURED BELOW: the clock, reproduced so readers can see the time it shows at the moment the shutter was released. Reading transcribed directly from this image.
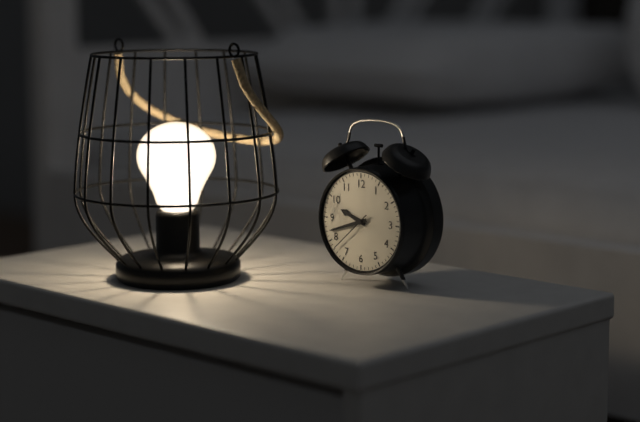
9:42
